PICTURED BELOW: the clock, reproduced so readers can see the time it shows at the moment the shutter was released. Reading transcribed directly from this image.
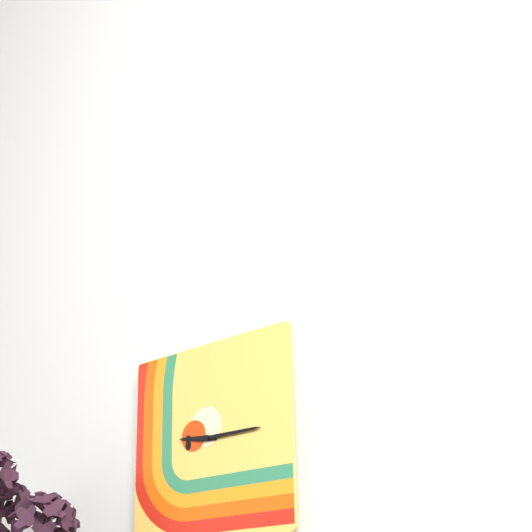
9:15
